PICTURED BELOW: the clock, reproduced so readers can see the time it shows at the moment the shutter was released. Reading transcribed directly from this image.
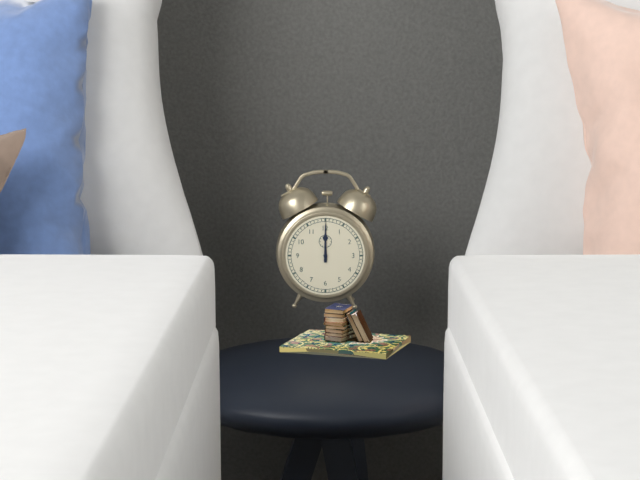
12:00
